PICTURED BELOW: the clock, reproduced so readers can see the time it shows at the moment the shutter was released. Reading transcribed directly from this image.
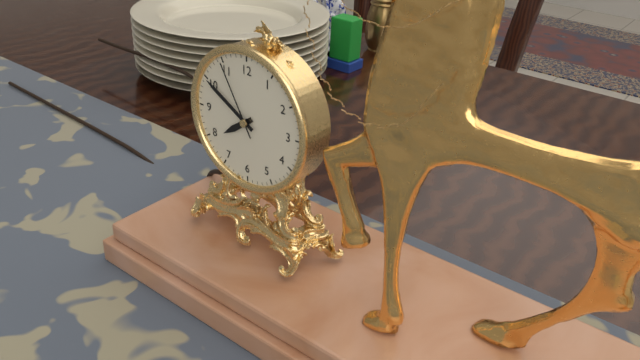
7:50:55
